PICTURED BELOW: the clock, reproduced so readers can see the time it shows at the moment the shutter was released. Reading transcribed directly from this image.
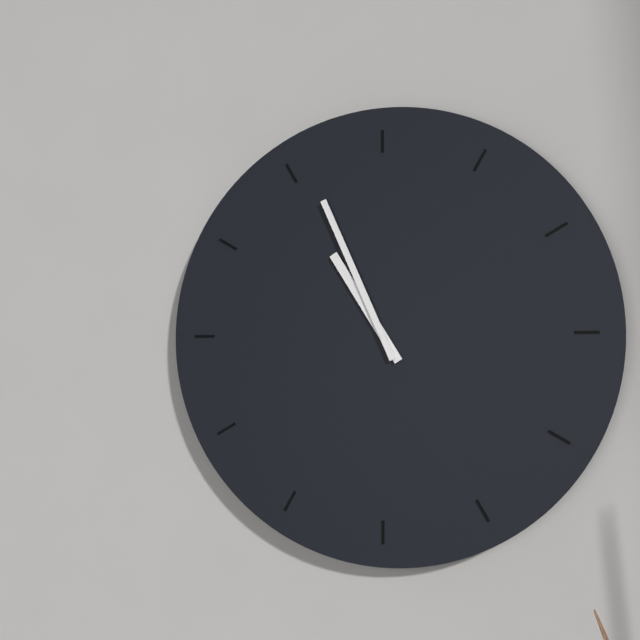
10:56
